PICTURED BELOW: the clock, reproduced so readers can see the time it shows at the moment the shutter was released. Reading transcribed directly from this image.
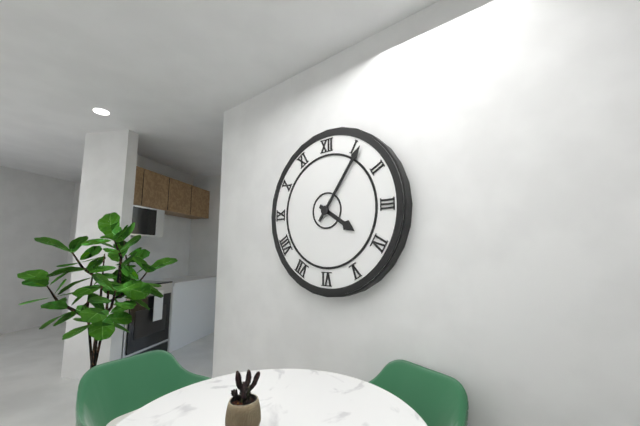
4:06
